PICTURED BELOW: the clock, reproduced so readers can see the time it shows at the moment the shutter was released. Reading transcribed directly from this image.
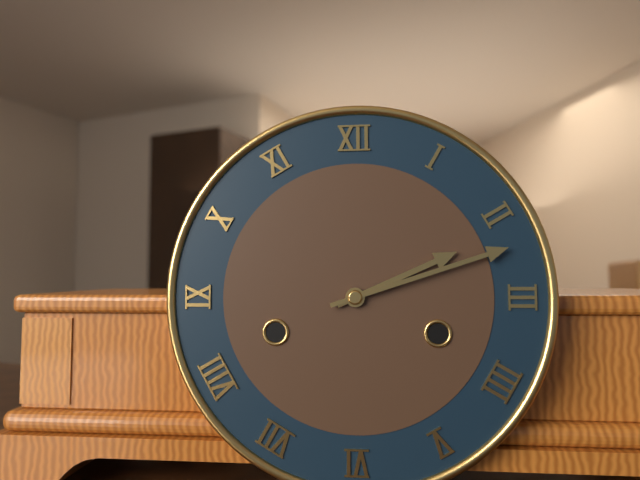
2:12
